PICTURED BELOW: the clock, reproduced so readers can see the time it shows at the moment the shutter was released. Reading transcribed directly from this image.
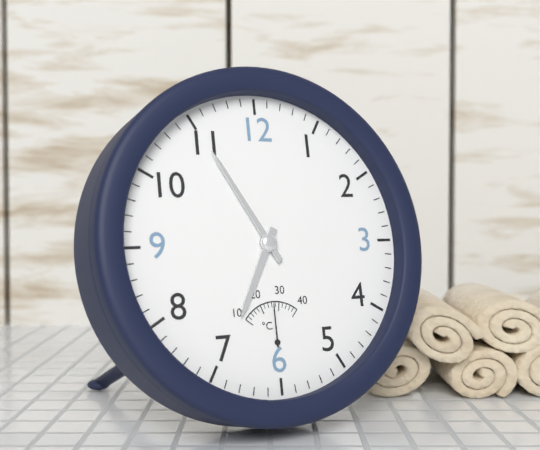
6:55
